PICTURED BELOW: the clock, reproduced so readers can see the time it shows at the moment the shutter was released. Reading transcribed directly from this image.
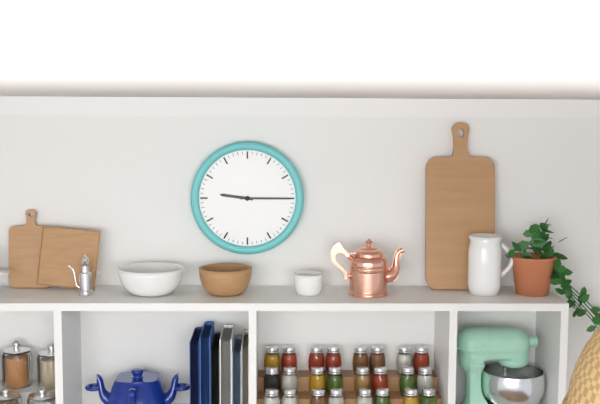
9:15
